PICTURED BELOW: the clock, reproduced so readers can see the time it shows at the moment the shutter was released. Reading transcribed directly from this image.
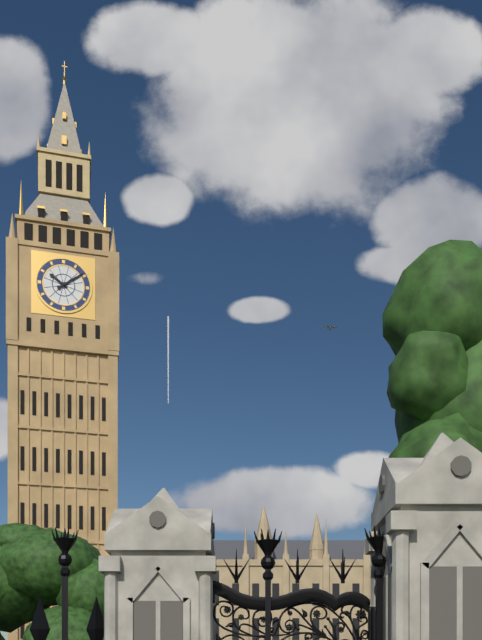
10:09
